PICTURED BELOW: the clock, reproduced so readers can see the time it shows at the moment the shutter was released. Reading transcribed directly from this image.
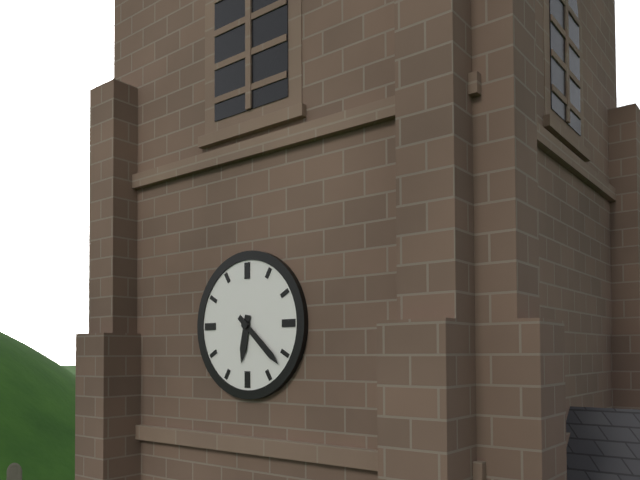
6:22
